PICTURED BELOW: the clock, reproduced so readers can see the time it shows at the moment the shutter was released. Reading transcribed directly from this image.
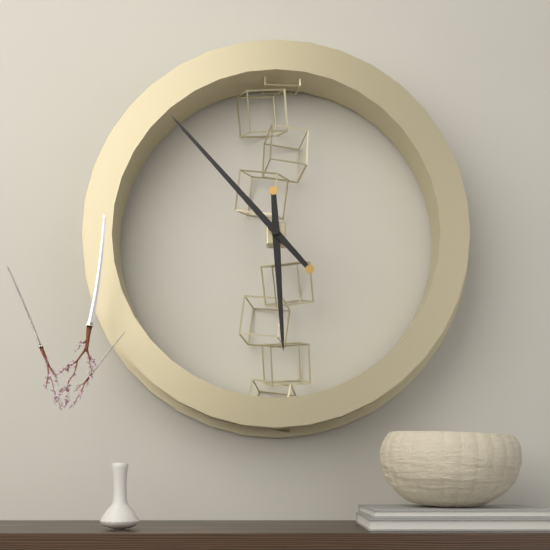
5:53
